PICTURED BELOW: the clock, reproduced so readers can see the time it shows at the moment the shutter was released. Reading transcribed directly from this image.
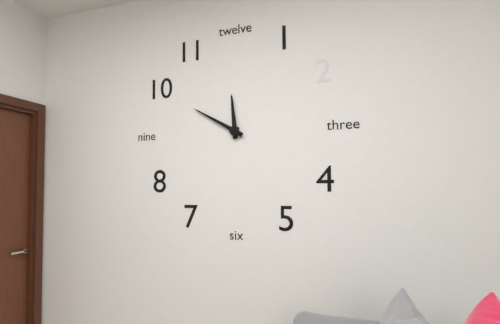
11:50
